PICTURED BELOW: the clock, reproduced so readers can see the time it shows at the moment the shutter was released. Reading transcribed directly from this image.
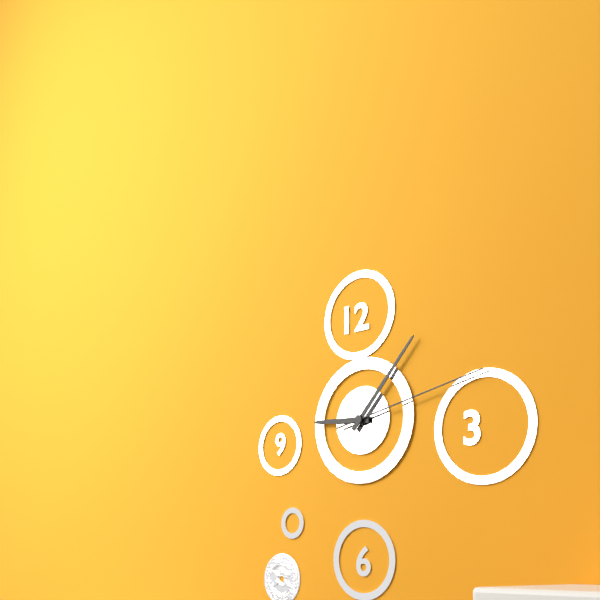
9:07:13
